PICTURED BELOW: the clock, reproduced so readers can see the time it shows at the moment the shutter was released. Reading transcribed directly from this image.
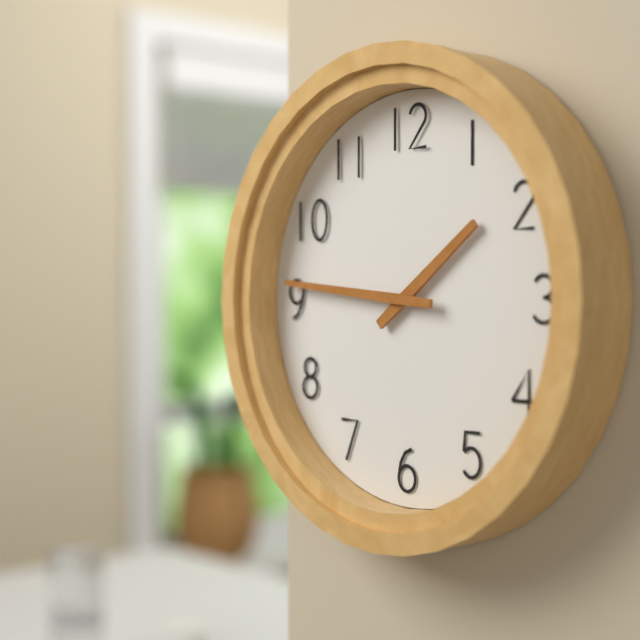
1:46
